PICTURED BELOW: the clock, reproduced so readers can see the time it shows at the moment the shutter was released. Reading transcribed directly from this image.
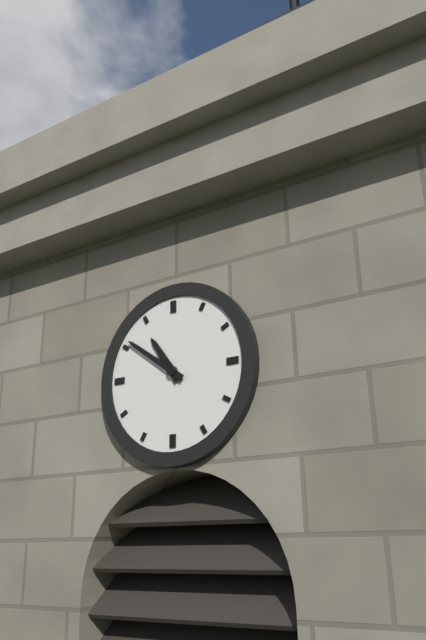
10:51
